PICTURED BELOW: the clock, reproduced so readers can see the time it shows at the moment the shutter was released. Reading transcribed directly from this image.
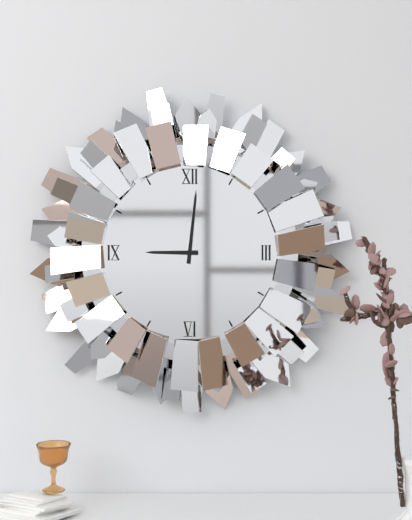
9:01
